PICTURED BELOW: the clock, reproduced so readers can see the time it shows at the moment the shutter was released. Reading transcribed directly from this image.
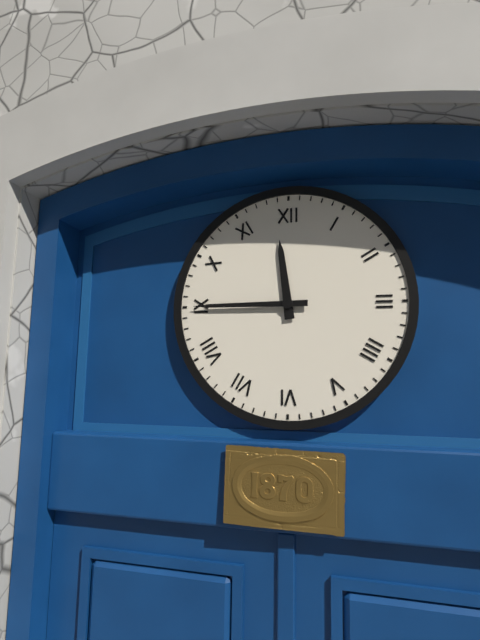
11:45
